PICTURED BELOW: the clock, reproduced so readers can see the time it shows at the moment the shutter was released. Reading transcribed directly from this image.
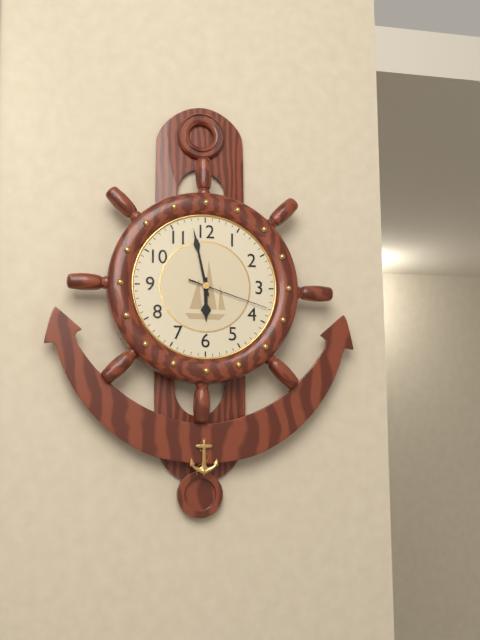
5:58:18
